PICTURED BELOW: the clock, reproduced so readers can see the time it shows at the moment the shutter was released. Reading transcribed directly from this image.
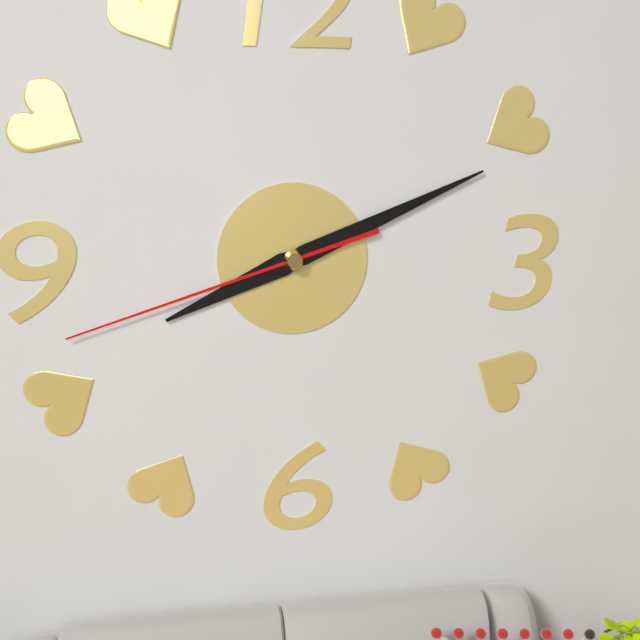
8:11:42
